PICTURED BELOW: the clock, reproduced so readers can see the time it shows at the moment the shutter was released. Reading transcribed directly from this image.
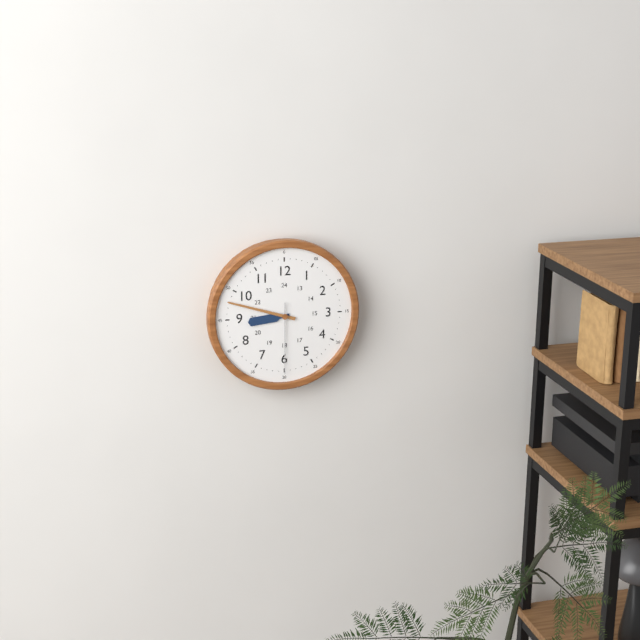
8:48:30
